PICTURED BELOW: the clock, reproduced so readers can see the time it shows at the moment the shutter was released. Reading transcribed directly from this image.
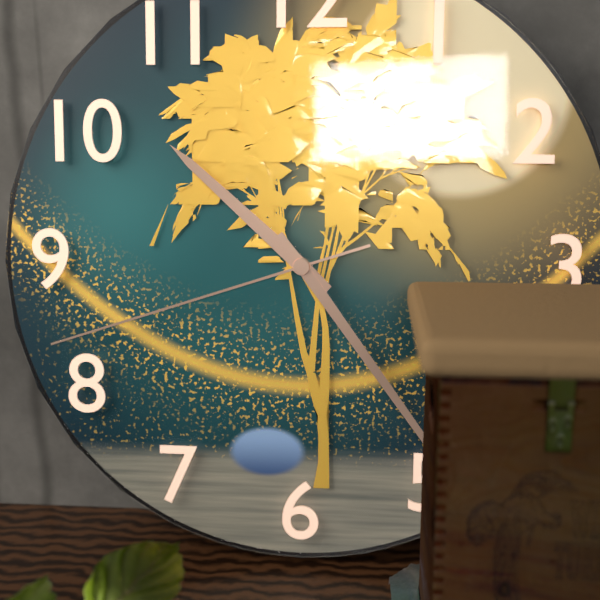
10:24:42
